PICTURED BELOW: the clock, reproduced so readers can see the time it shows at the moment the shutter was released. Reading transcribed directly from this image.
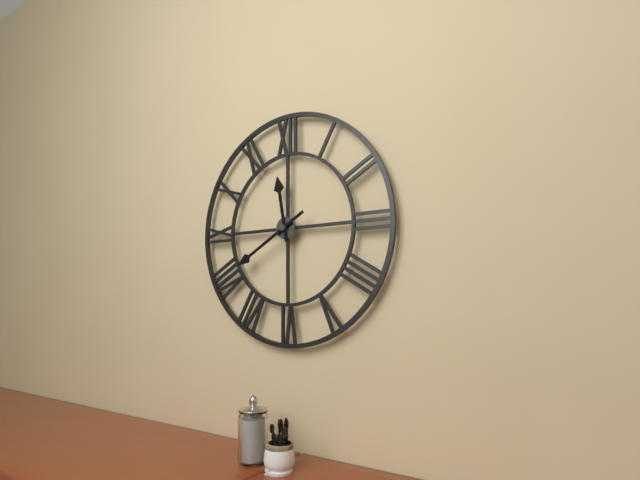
11:40
